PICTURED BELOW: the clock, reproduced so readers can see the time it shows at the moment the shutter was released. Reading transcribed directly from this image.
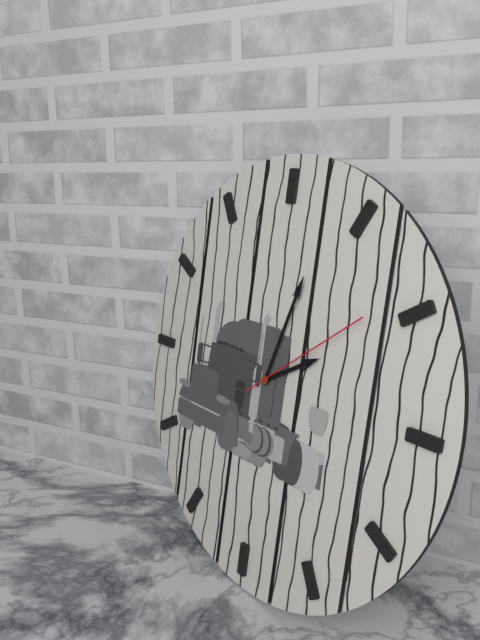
2:03:09
